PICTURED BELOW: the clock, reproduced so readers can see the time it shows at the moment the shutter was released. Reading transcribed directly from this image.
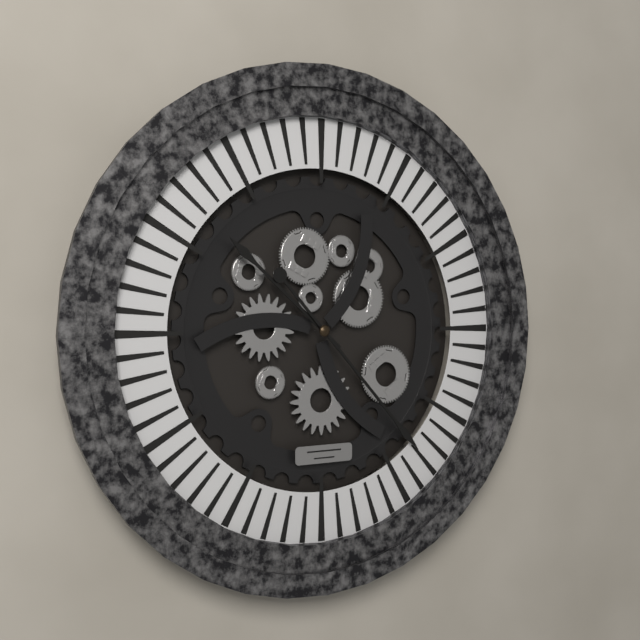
10:23
